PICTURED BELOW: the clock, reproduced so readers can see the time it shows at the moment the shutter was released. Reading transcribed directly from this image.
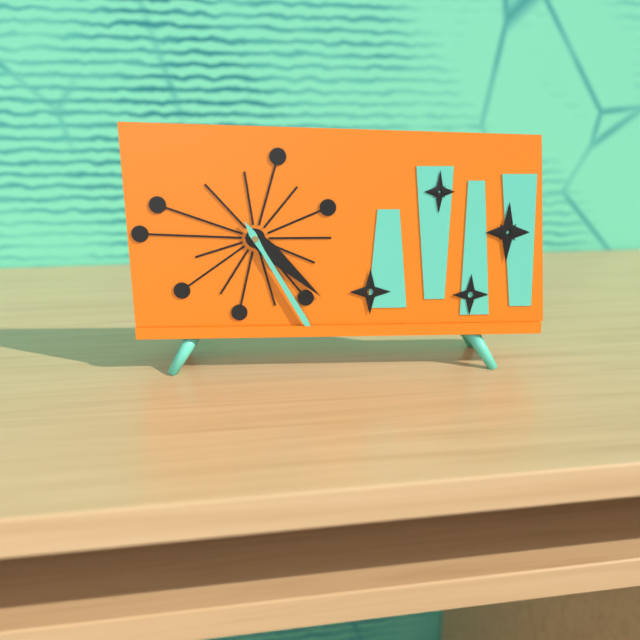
4:25
